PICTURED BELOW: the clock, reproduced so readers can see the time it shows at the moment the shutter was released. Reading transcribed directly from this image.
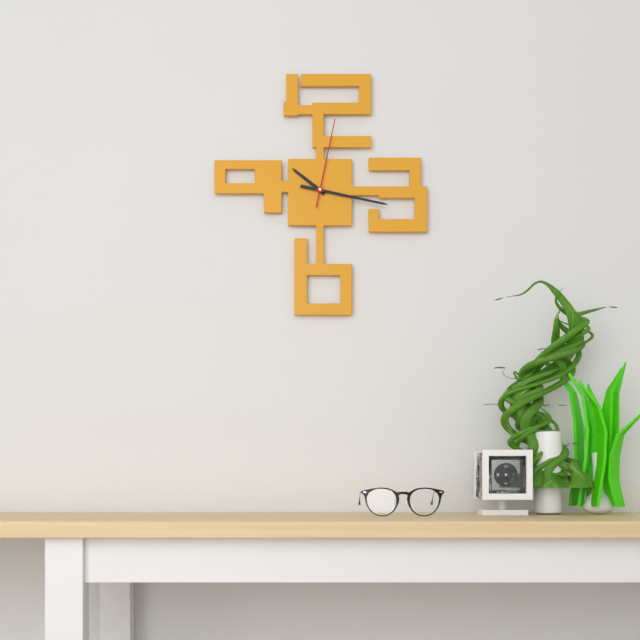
10:17:02
